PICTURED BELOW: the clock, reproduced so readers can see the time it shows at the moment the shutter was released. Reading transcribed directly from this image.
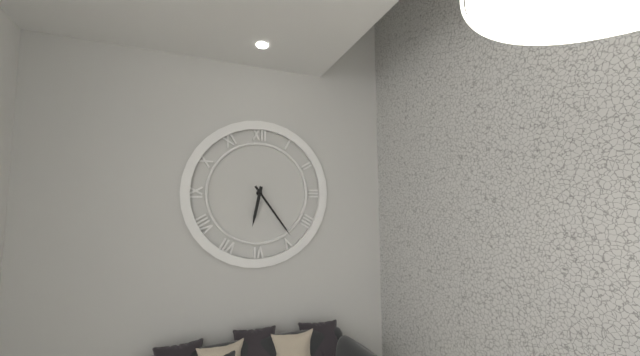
6:24
